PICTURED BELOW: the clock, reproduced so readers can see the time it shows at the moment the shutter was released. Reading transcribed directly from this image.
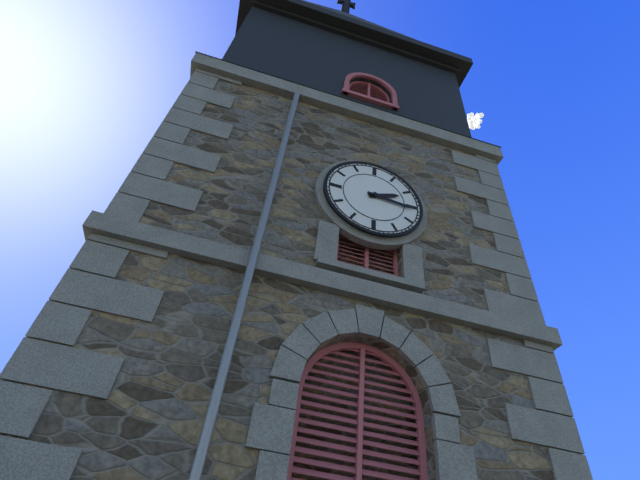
2:16
